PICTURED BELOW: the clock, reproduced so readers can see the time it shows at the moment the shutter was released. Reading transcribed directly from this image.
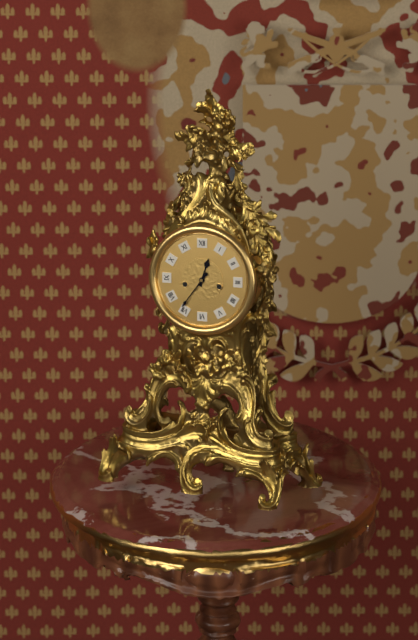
12:36
